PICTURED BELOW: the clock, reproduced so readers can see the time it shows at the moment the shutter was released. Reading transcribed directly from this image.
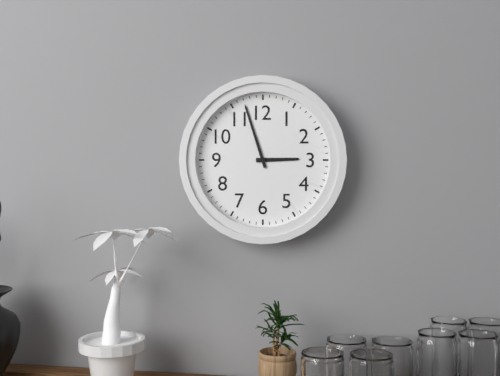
2:57
